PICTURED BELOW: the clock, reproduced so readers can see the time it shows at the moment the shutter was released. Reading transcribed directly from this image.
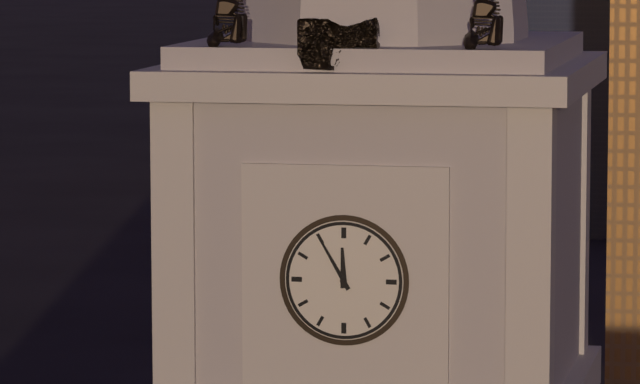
11:55
